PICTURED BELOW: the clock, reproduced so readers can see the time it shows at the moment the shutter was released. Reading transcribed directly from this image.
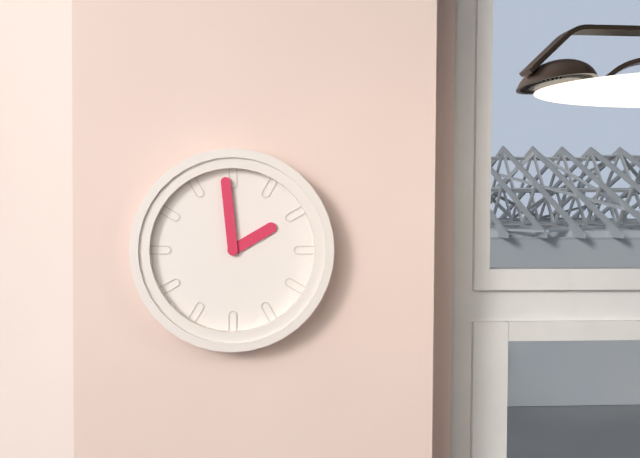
1:59
